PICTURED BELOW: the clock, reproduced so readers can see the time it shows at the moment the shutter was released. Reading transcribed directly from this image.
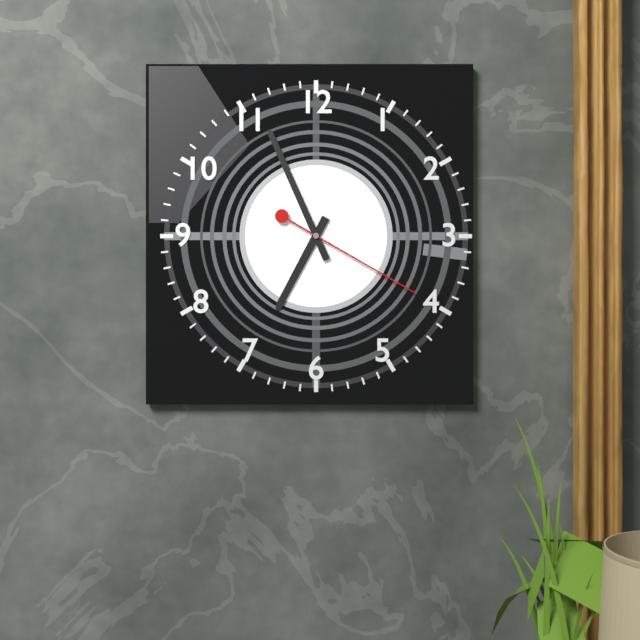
6:56:20
